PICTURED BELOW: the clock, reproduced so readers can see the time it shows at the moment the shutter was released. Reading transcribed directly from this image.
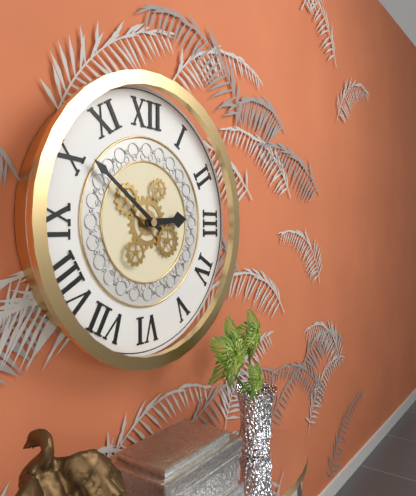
2:51
